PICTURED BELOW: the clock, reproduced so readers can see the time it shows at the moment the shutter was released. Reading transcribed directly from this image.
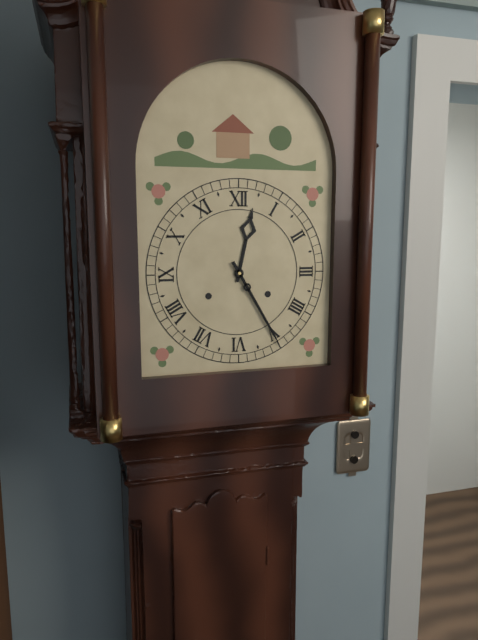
12:25
